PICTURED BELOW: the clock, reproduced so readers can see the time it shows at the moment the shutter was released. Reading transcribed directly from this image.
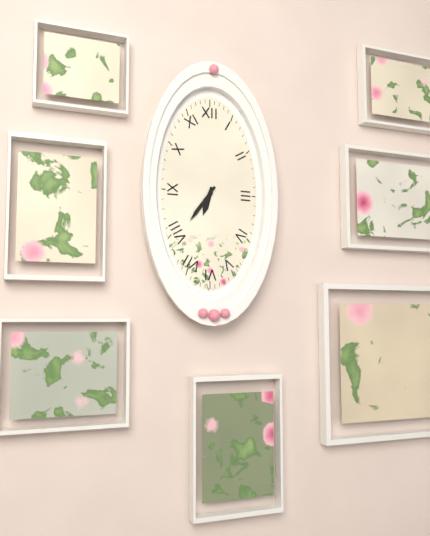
6:36
